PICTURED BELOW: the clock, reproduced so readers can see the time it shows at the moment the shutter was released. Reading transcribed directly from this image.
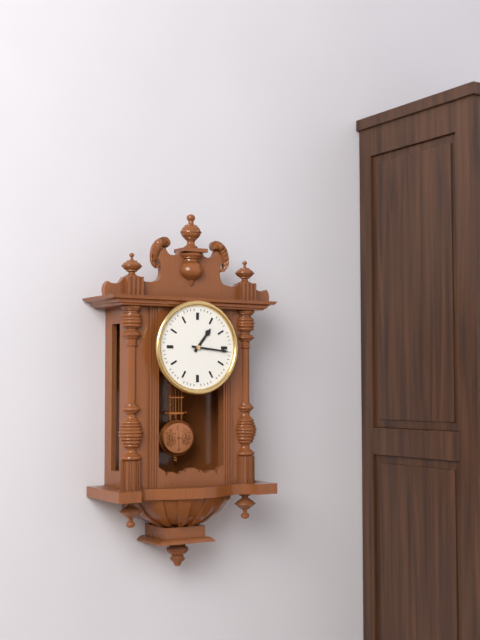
1:16
